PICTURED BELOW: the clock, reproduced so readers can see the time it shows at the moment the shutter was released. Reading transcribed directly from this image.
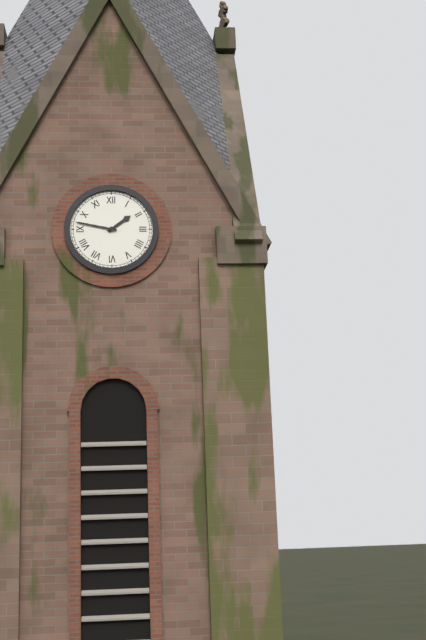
1:47
